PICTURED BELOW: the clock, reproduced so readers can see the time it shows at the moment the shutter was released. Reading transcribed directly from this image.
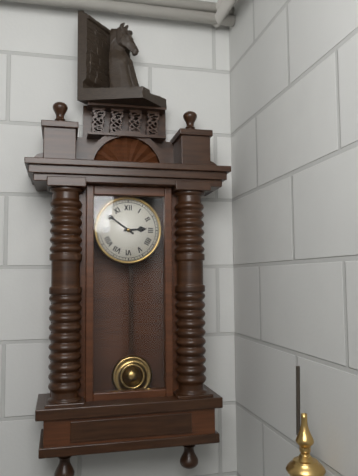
2:51
